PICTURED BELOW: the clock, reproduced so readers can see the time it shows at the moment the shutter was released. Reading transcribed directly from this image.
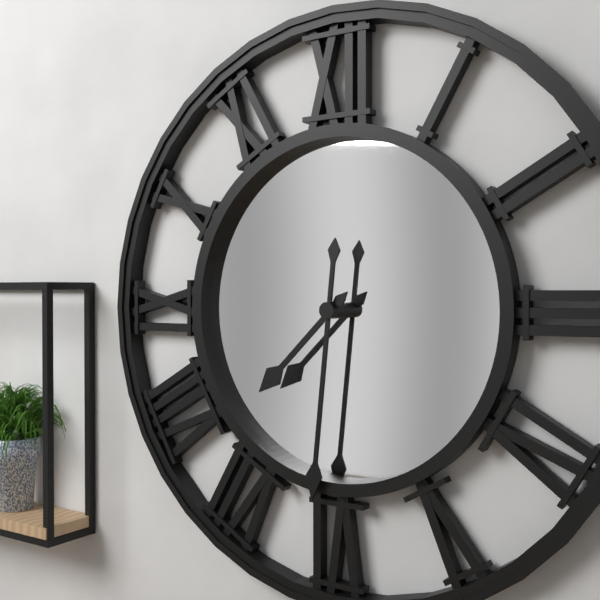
7:31
